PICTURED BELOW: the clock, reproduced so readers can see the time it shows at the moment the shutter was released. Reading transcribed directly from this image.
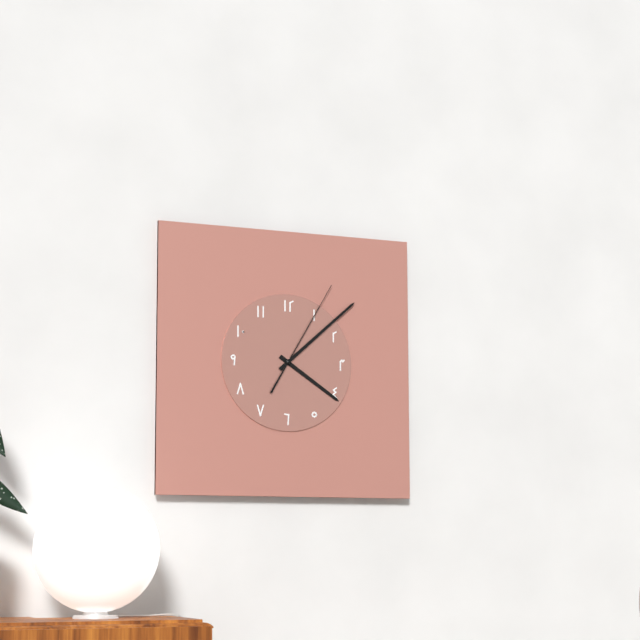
4:08:05
